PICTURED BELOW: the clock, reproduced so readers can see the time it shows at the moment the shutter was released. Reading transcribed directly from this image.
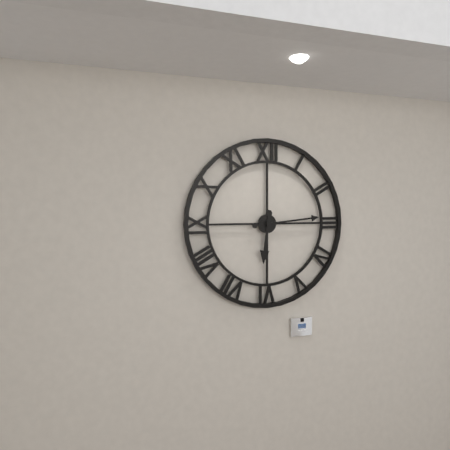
6:14
